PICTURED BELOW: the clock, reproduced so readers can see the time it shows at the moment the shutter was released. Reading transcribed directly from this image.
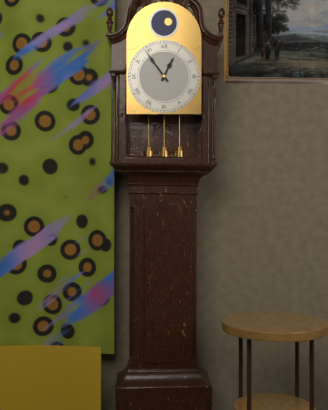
12:54
